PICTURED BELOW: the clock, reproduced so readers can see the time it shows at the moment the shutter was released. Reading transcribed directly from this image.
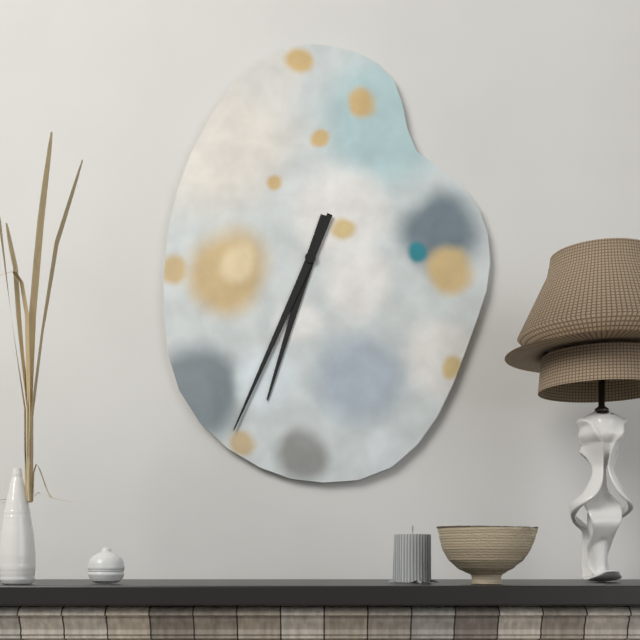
6:34
